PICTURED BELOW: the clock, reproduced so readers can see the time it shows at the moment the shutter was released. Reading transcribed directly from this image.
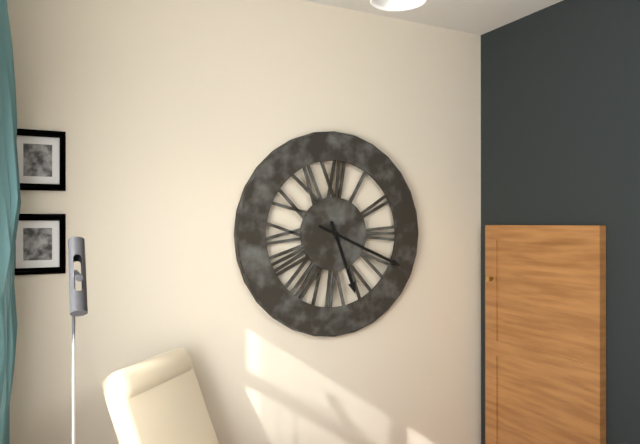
5:19
